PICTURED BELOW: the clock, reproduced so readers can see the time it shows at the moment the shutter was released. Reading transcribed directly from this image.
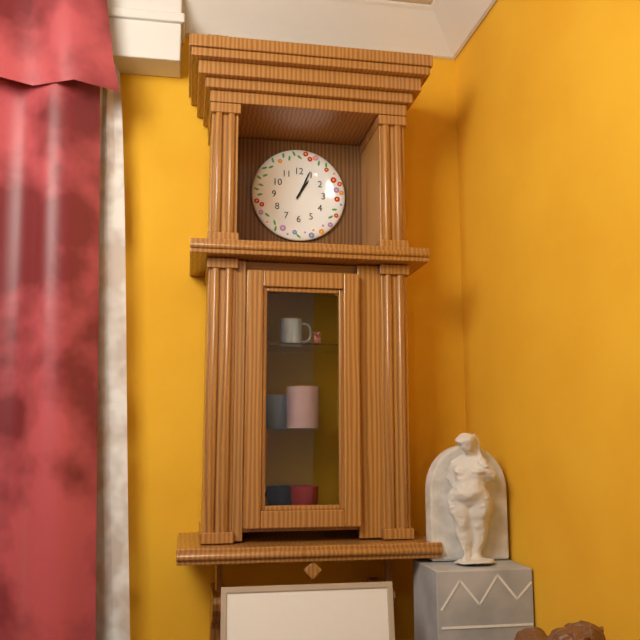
1:04
